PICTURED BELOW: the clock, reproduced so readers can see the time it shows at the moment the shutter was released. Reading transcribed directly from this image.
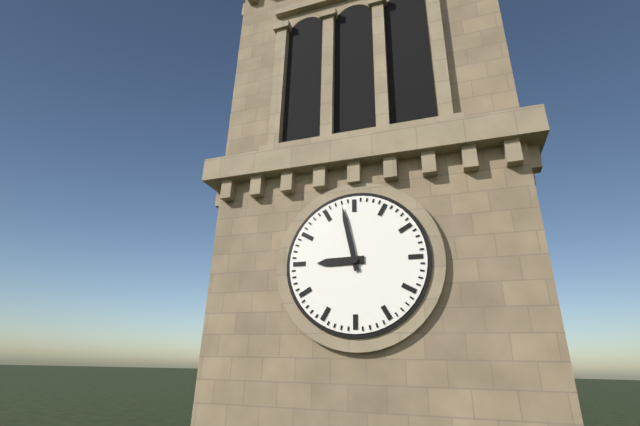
8:58
